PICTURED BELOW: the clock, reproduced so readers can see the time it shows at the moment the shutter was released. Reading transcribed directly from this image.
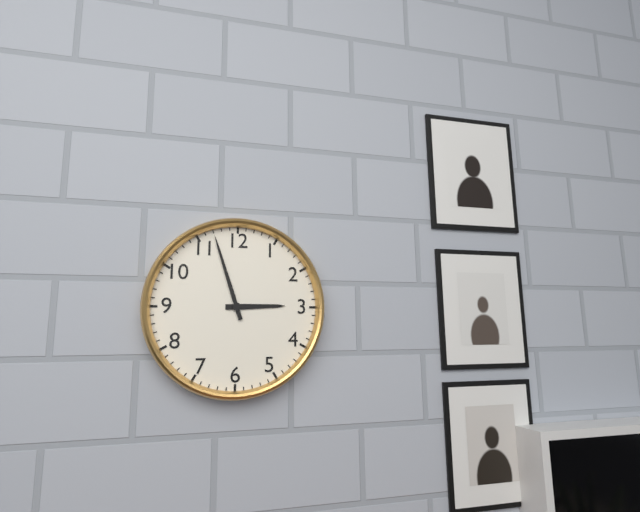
2:57
